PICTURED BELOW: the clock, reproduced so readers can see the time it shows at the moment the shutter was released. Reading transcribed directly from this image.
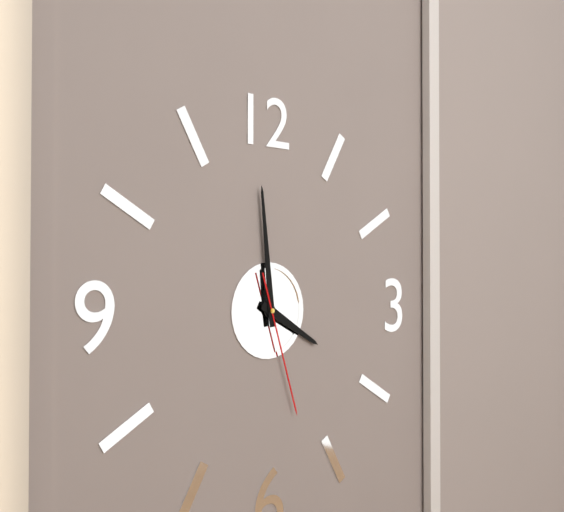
3:59:27
